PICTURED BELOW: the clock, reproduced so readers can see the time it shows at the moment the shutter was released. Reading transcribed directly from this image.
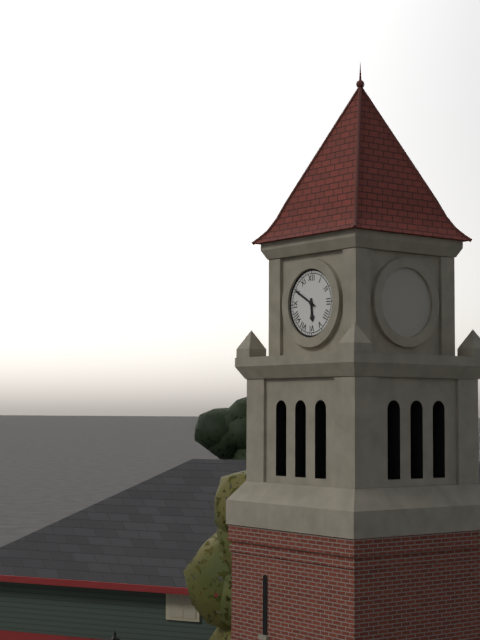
5:50
